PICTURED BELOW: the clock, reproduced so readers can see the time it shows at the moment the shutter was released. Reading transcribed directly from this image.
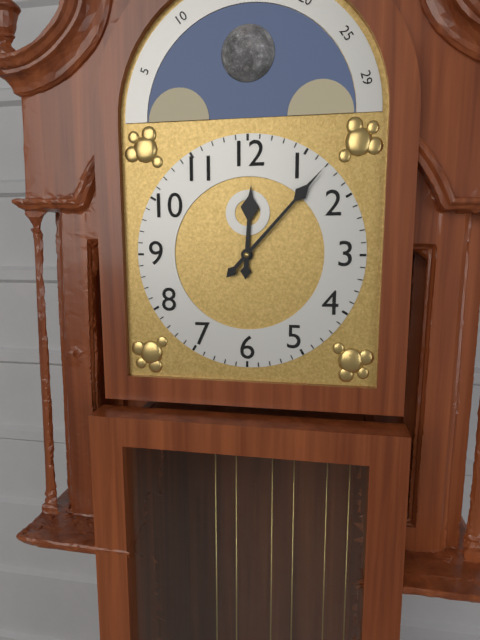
12:07
